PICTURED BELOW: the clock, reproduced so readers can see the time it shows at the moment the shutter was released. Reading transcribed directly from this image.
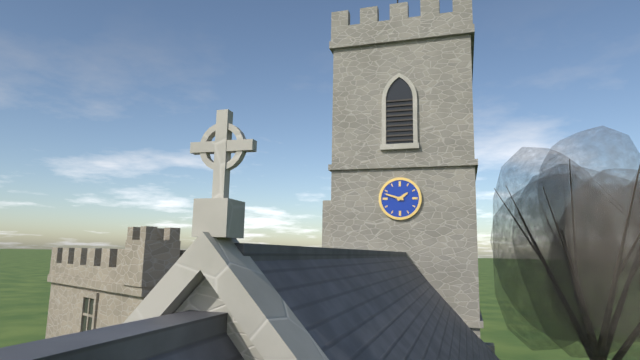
1:48
